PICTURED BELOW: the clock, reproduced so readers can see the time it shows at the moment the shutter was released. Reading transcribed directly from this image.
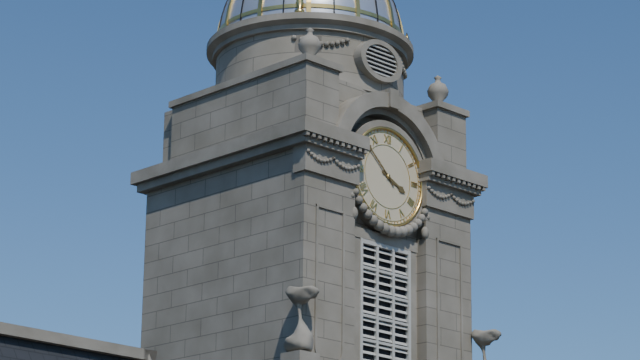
3:52
